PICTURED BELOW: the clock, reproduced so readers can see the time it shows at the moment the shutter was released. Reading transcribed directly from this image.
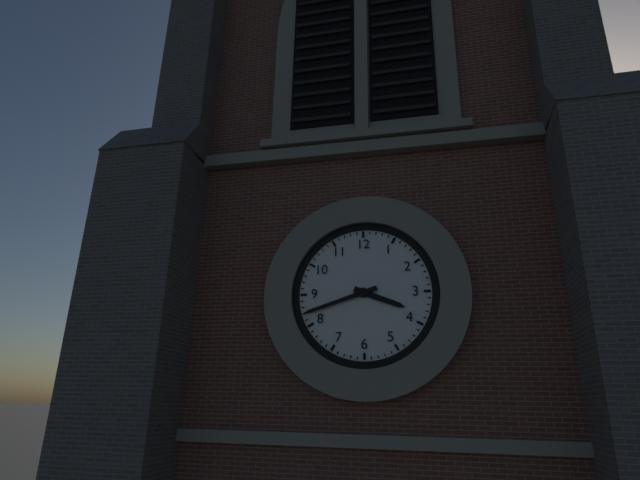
3:42
